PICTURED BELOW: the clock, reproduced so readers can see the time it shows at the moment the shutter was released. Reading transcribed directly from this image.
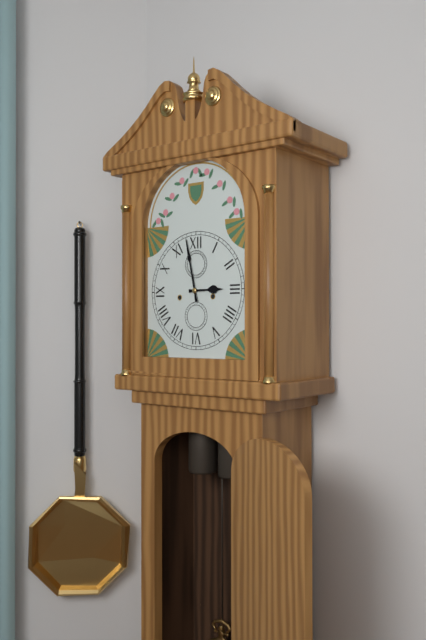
2:58
